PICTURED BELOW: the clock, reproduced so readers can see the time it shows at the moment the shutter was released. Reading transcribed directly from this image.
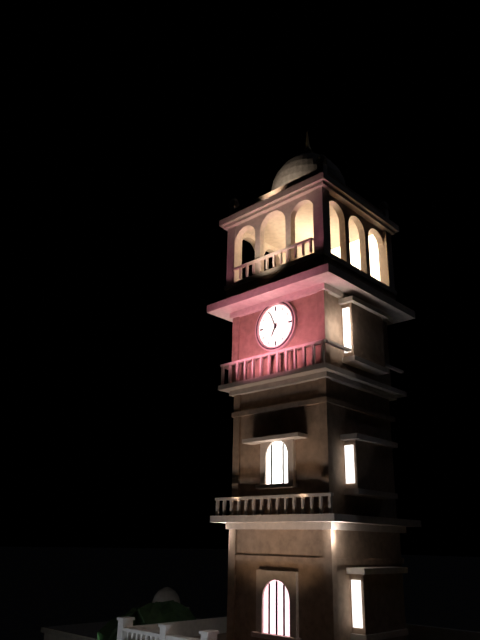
6:56
